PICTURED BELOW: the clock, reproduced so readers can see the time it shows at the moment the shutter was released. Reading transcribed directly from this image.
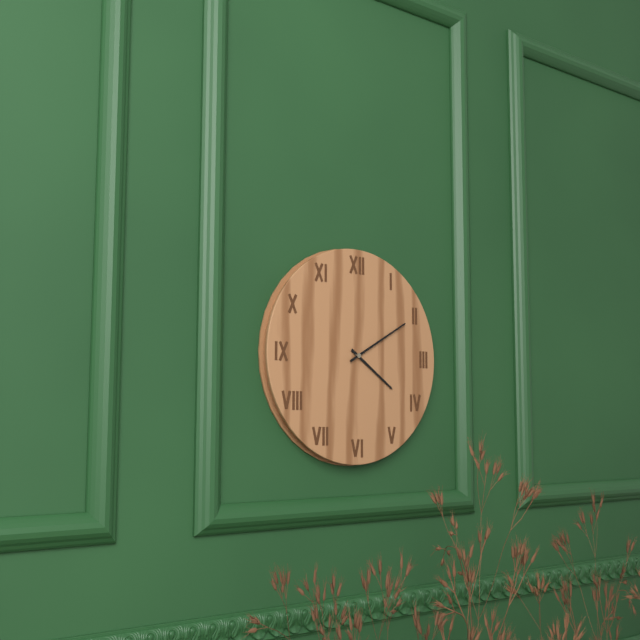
4:10
